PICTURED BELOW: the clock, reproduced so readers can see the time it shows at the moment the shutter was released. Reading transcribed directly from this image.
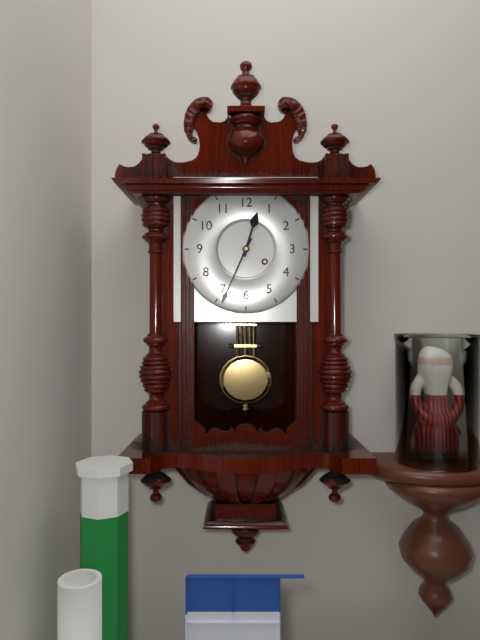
12:34
